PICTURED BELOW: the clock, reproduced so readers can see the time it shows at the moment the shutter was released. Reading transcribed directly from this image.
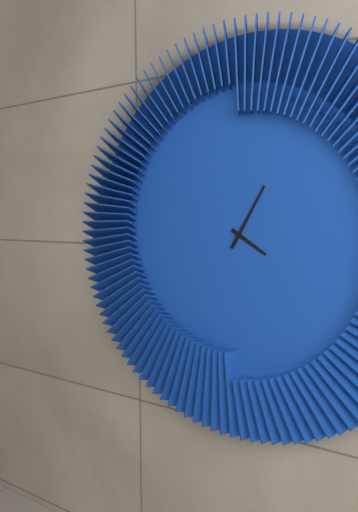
4:05
